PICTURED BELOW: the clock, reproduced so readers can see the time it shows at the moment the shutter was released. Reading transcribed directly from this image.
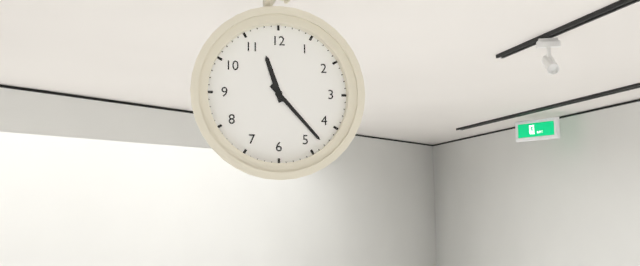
11:23
